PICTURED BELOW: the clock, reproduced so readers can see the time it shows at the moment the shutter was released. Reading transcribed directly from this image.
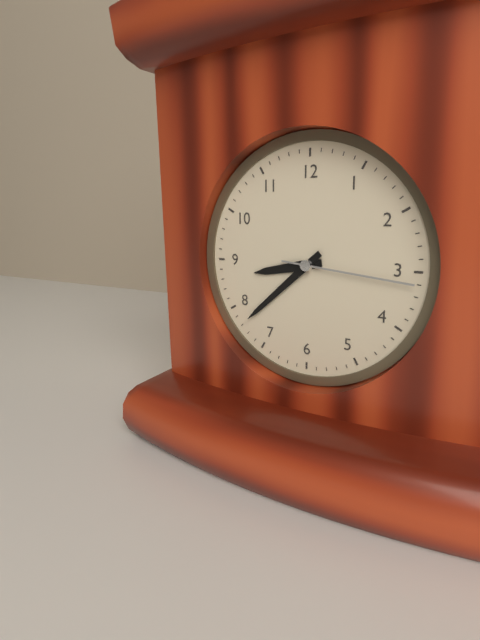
8:38:16
